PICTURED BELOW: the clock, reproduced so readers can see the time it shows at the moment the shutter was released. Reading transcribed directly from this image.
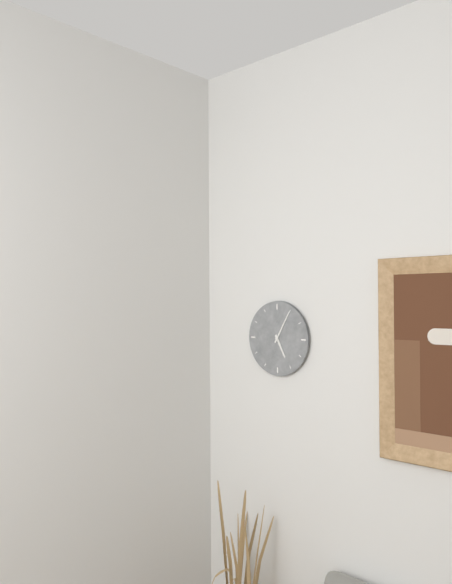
5:05
